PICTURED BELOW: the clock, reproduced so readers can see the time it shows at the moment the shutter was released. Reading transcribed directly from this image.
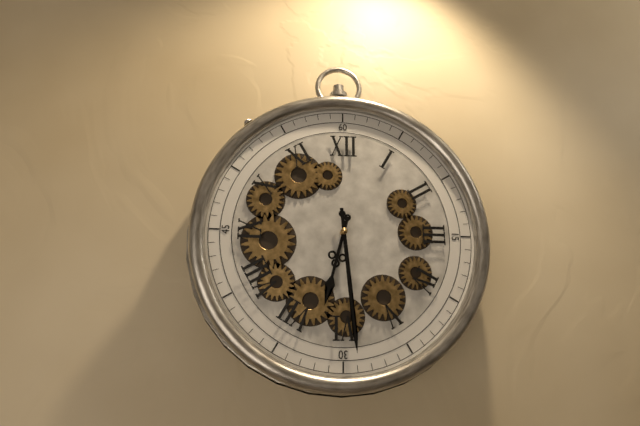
6:29
